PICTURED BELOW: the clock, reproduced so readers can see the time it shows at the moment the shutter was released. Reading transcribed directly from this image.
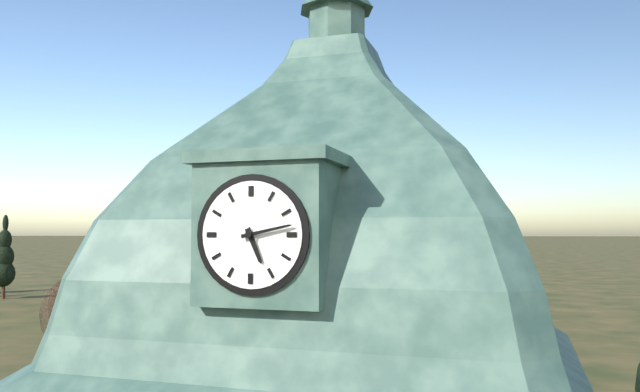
5:13
